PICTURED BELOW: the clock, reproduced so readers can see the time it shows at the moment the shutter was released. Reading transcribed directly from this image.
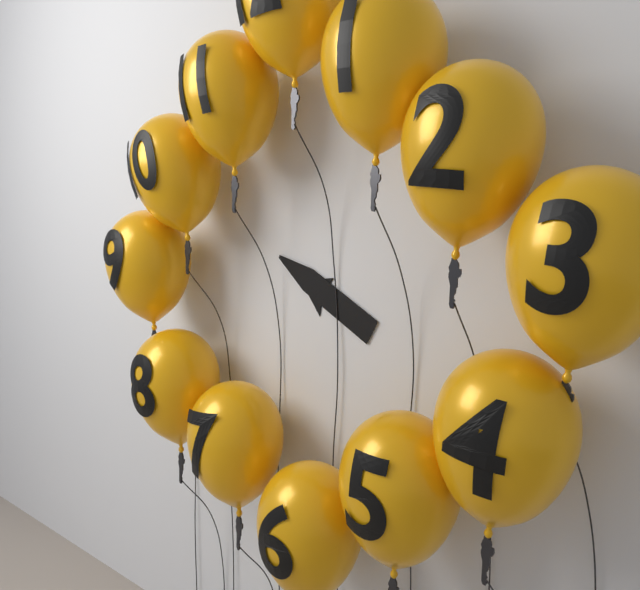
9:50
